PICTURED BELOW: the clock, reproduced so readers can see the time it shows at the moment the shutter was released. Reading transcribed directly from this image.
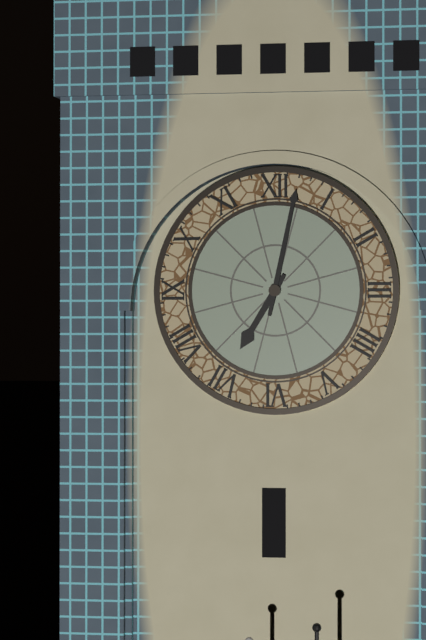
7:02
